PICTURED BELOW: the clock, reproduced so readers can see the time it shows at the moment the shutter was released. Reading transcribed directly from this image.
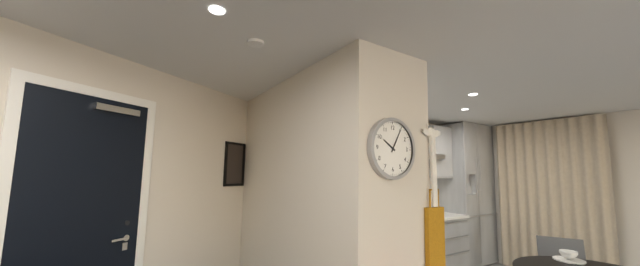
10:05
